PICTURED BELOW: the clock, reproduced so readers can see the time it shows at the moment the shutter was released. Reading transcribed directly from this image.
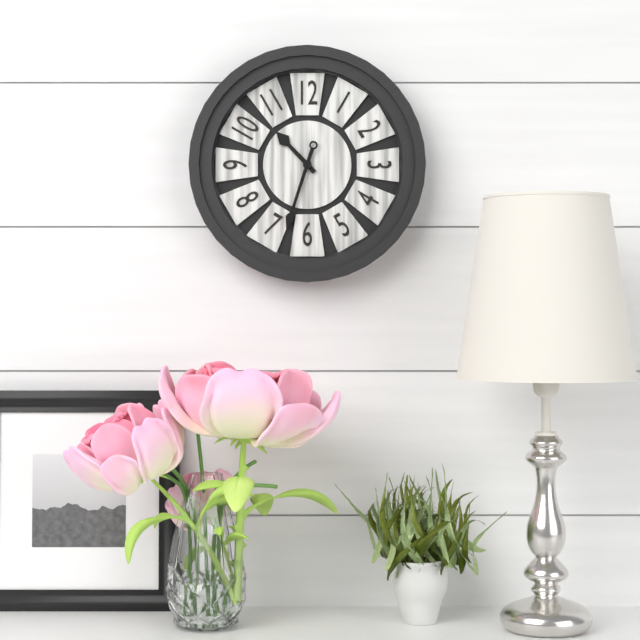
10:33
